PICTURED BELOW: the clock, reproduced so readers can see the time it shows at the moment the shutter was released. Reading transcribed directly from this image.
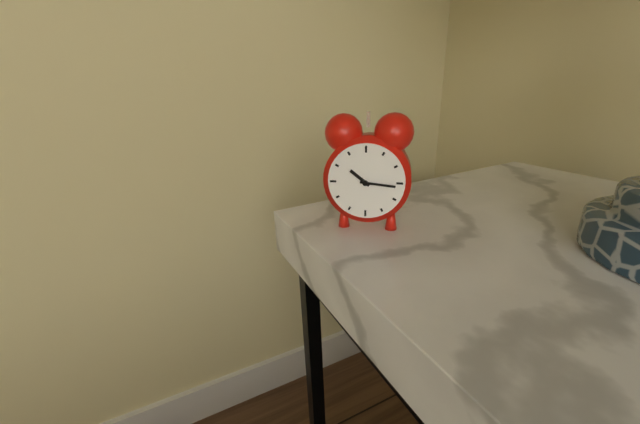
10:16
